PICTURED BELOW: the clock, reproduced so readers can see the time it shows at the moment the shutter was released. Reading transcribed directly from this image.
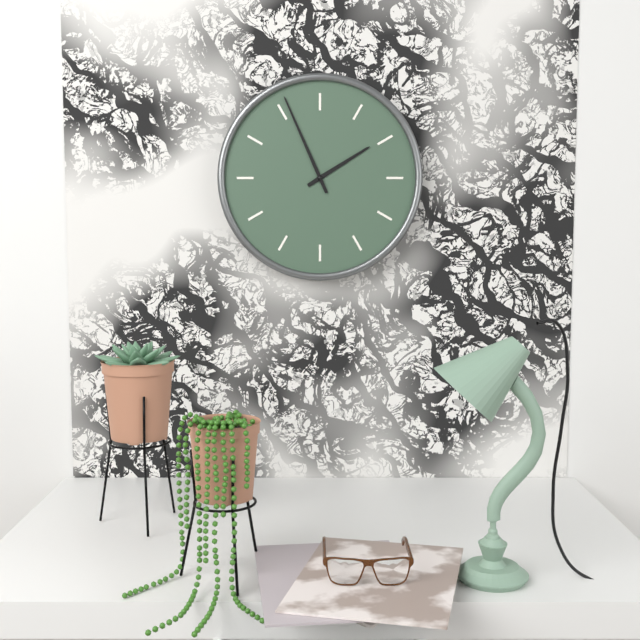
1:56
